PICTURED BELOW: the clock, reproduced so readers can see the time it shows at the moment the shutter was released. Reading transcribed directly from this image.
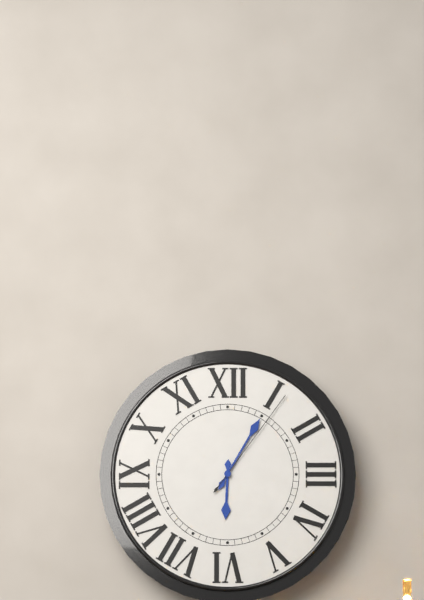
6:05:06
